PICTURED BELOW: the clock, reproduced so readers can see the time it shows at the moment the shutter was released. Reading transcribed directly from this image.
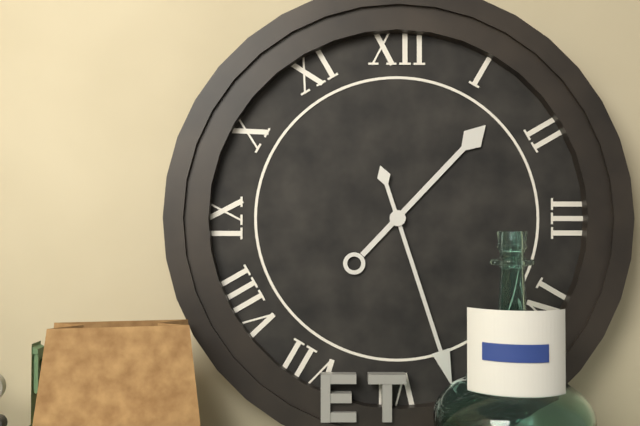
1:27
